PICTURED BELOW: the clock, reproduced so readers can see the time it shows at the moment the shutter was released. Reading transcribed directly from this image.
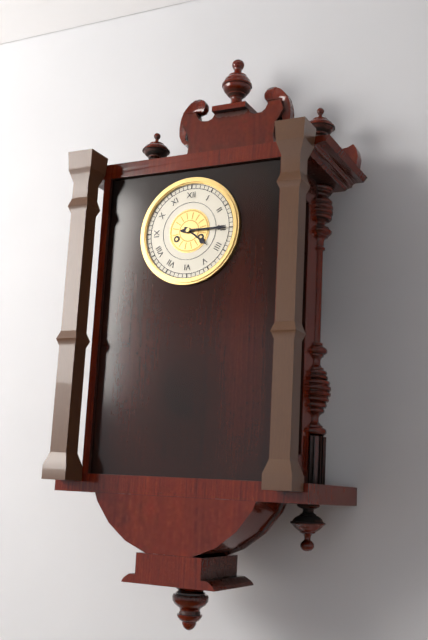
4:15
